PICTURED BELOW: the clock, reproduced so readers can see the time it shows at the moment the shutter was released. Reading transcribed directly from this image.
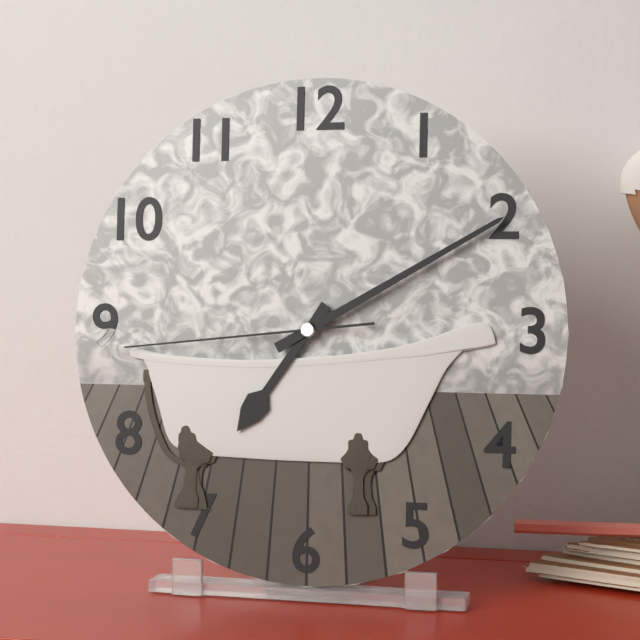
7:10:44
